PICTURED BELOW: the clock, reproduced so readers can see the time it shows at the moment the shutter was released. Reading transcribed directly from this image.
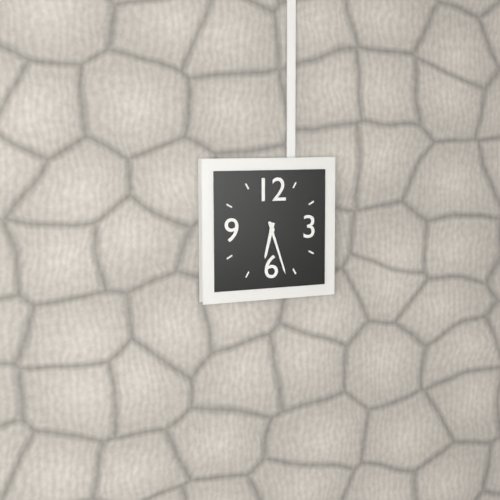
6:27
